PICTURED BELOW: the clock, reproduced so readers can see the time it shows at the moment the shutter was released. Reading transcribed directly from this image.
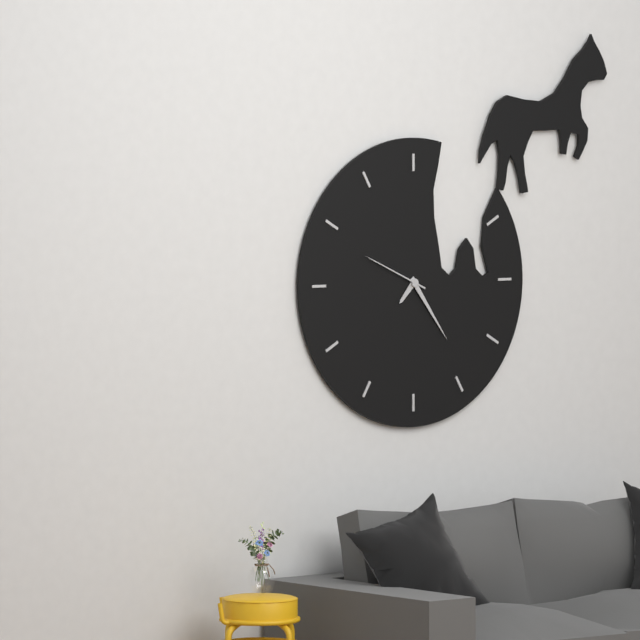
7:24:49
